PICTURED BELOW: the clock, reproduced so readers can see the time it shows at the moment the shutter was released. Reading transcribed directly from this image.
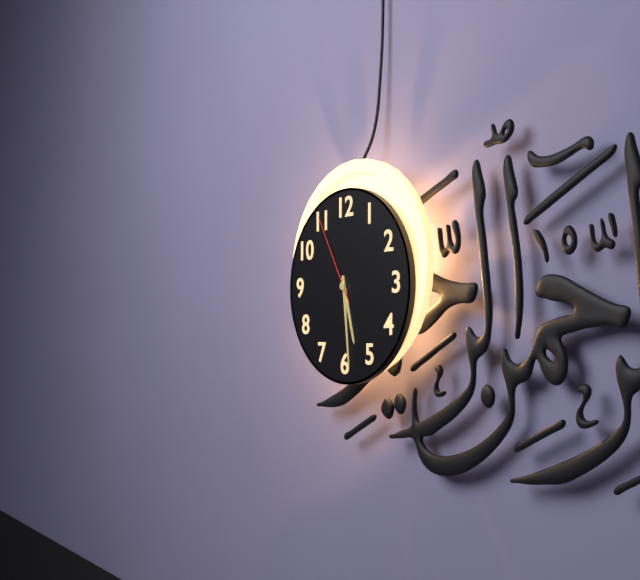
5:29:55
